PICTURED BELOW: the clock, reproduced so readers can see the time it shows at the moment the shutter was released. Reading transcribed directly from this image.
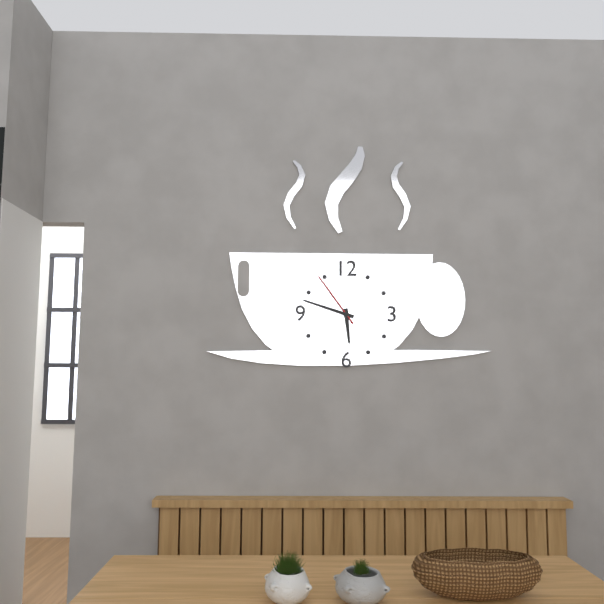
5:48:54
